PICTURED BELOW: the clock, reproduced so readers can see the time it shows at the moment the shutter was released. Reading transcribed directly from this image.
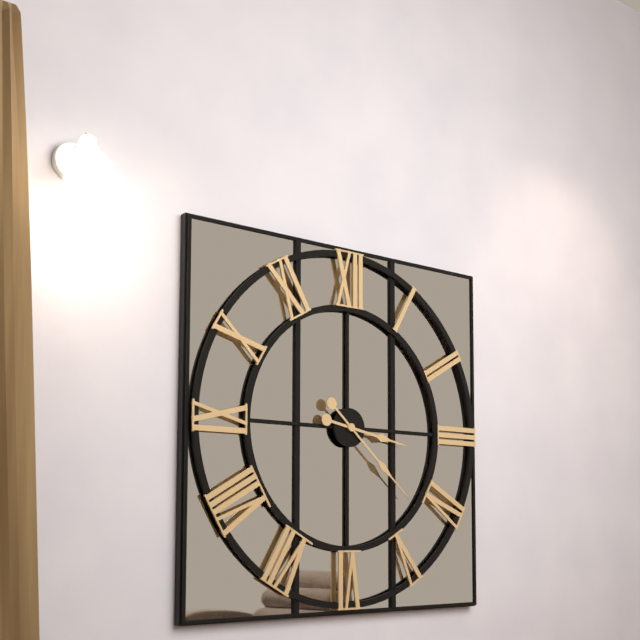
3:22
